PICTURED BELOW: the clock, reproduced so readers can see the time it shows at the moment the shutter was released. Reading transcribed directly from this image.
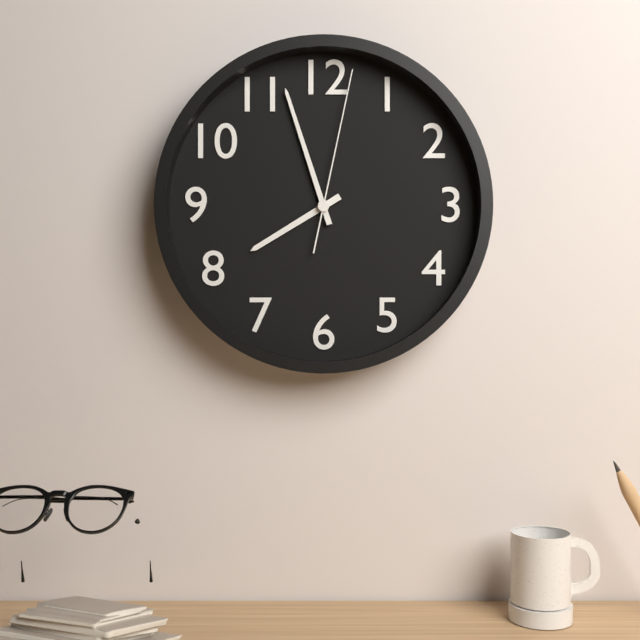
7:57:02
